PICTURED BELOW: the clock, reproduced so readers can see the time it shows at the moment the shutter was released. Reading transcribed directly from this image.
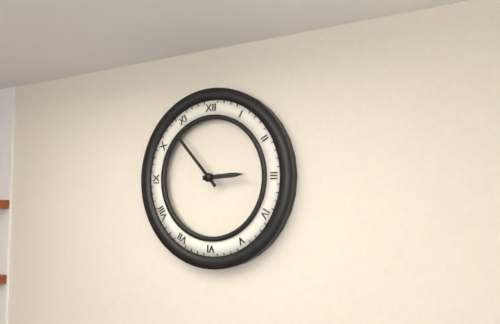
2:53
